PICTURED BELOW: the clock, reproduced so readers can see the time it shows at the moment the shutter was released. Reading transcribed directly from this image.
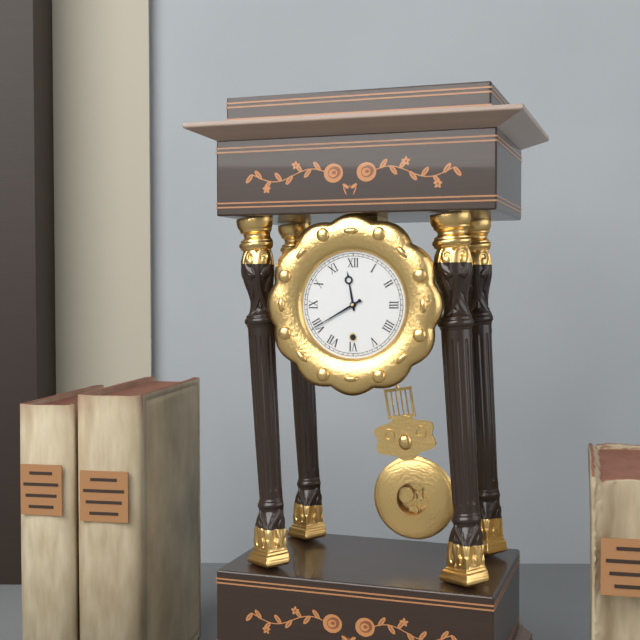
11:40
